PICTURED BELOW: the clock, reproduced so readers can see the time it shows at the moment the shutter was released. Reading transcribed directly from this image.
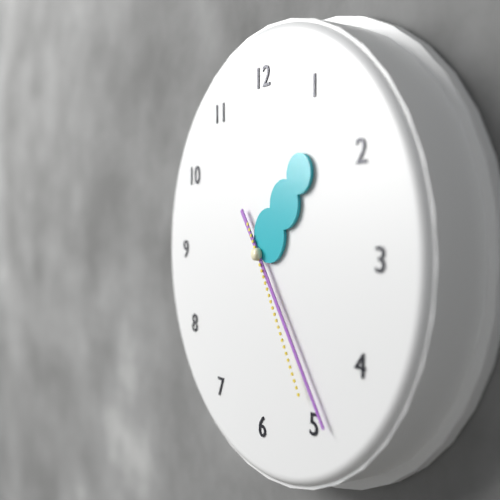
1:24:25
